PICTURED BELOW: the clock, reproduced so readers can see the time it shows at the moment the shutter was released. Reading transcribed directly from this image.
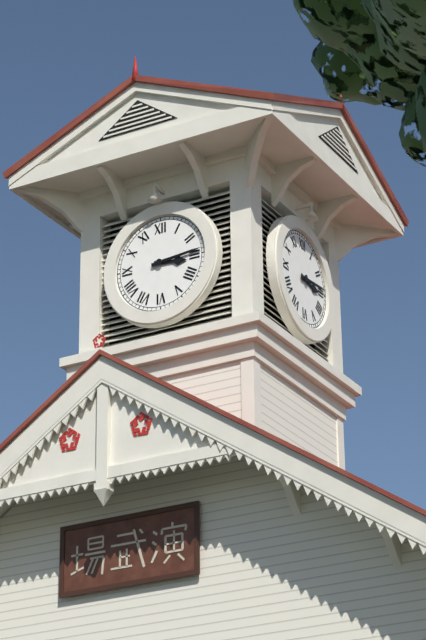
3:14
